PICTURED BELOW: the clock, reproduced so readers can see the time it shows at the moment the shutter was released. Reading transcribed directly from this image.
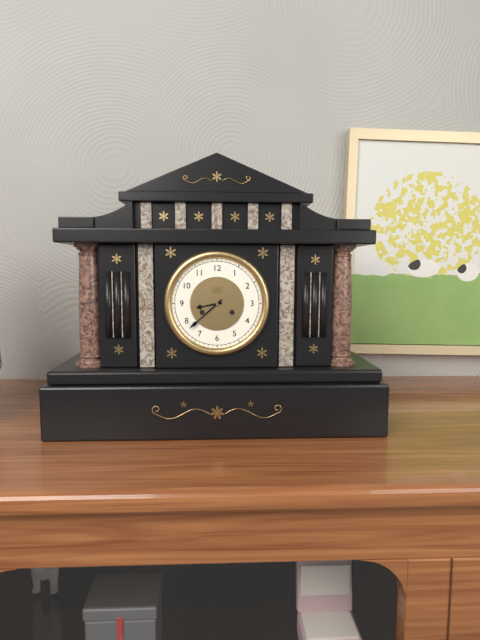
8:38
